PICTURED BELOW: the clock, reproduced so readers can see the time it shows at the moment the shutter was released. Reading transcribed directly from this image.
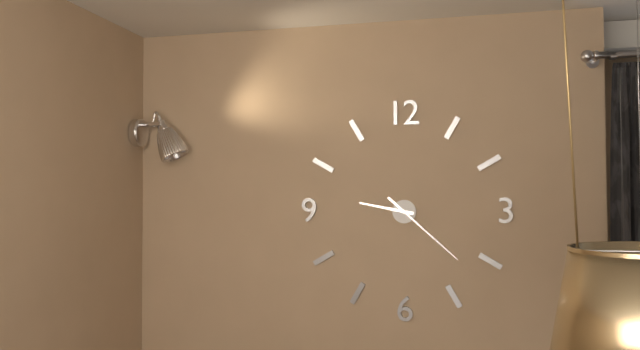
9:22
